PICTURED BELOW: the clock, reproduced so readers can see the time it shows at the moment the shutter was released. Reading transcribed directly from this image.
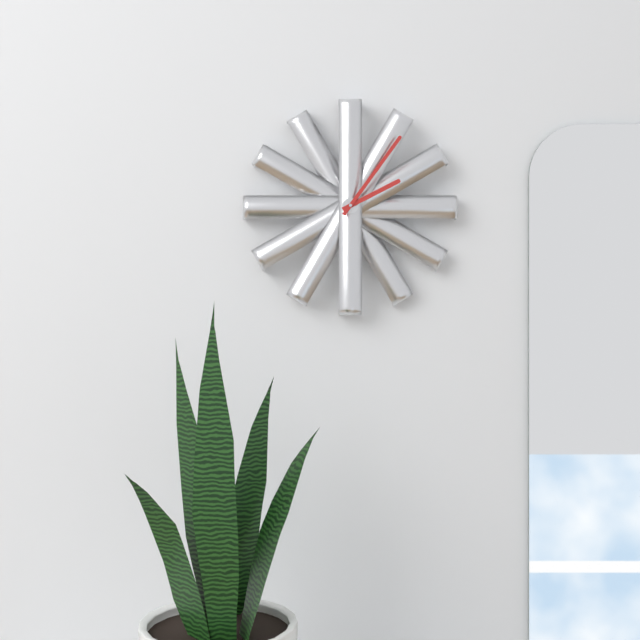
2:06
